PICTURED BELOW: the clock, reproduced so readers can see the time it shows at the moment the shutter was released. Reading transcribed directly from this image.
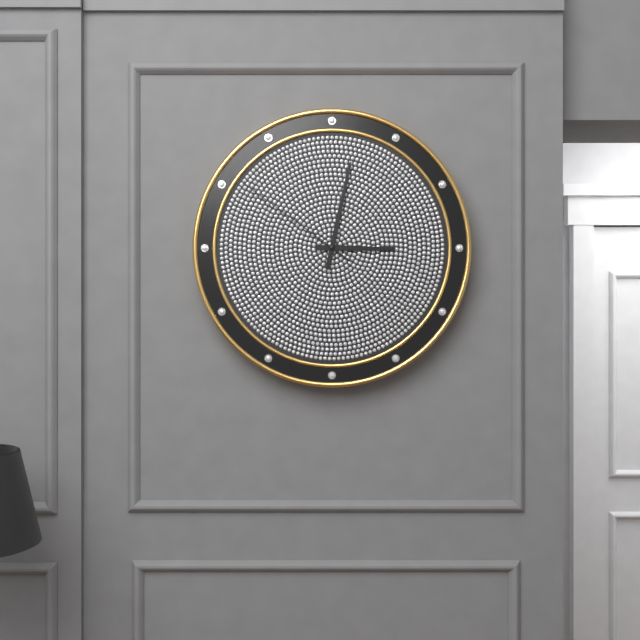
3:02:51
